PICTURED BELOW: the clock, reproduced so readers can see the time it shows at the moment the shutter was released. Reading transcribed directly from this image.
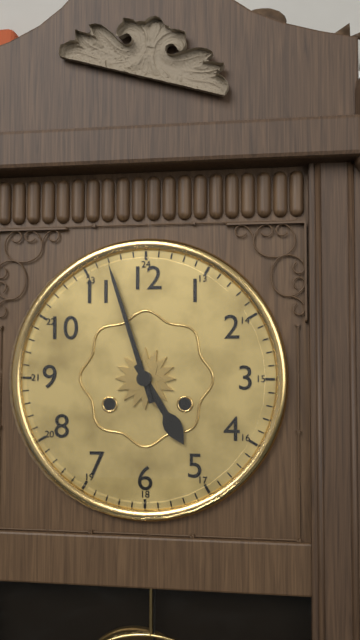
4:57
